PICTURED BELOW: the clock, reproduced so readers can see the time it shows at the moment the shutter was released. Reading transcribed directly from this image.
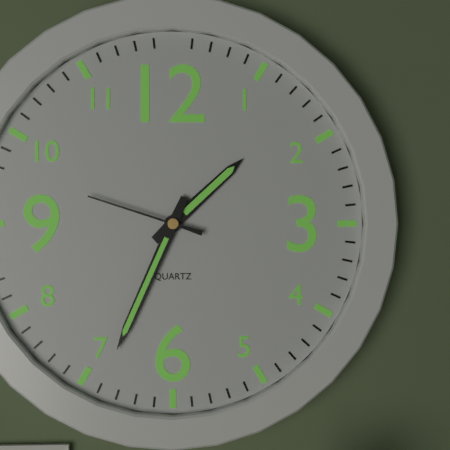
1:34:48
